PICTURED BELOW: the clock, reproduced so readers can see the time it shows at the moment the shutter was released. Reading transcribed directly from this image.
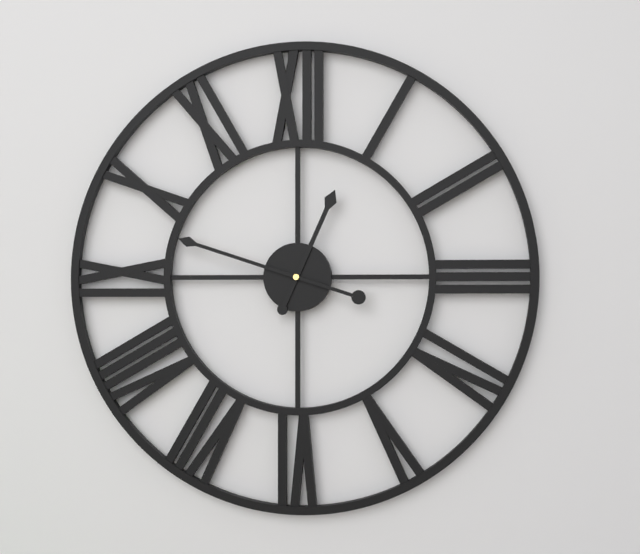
12:48
